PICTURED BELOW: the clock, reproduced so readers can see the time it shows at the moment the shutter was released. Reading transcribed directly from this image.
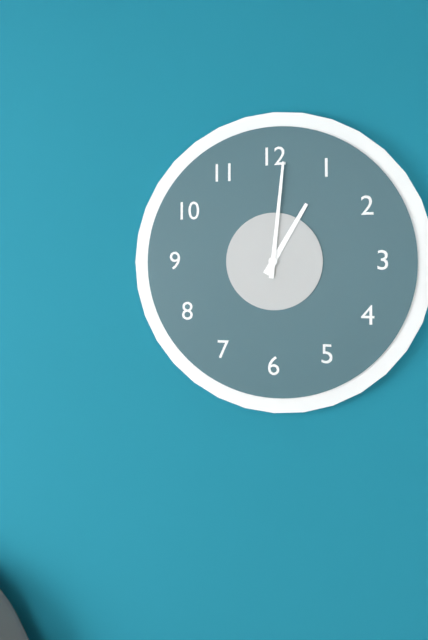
1:01
